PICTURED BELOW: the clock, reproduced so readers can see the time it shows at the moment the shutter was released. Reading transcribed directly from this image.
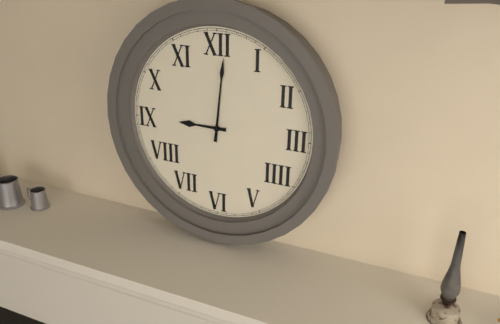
9:01
